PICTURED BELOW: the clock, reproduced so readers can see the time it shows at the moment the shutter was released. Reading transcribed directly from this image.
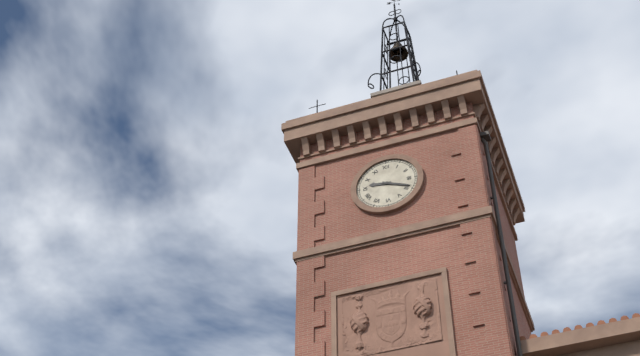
9:19
